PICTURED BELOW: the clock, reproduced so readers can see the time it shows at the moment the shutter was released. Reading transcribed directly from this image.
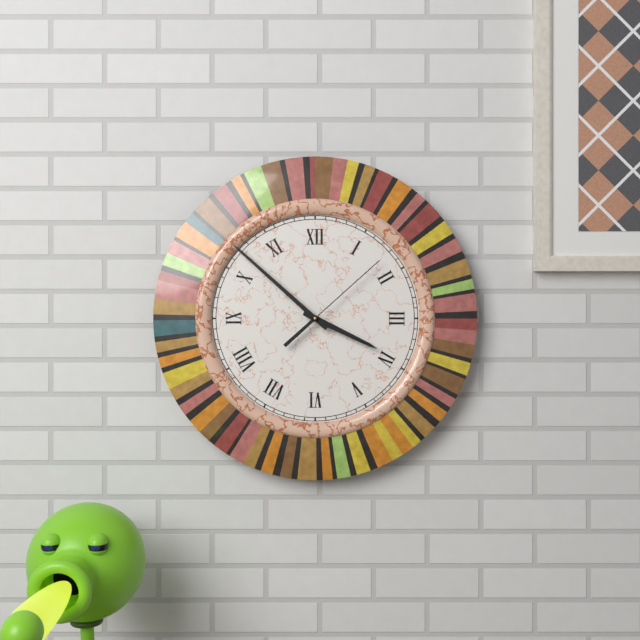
3:52:08
